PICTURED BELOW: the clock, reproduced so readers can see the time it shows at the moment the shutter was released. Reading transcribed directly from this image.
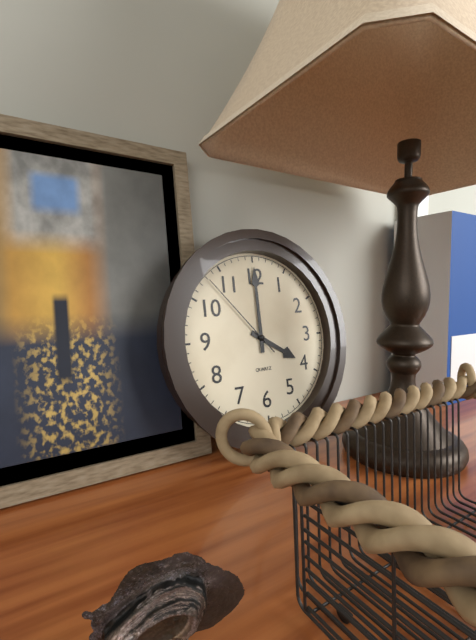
4:00:53
